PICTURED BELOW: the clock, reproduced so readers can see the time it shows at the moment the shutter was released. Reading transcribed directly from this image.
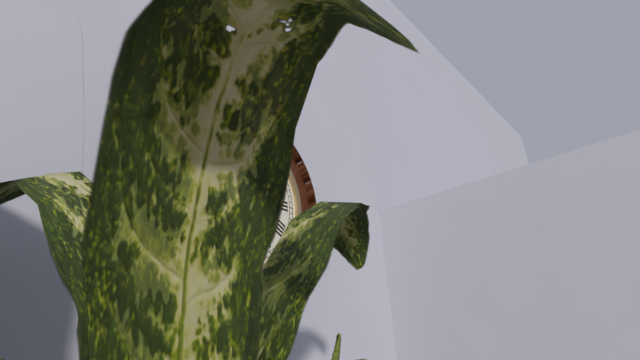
12:36
